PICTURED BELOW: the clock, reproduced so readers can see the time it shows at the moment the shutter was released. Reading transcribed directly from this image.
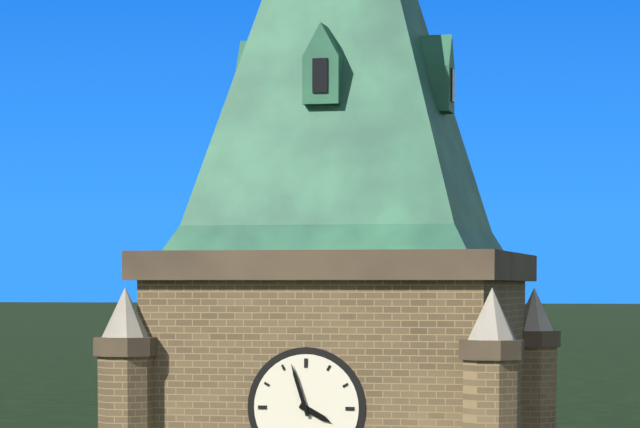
3:57
